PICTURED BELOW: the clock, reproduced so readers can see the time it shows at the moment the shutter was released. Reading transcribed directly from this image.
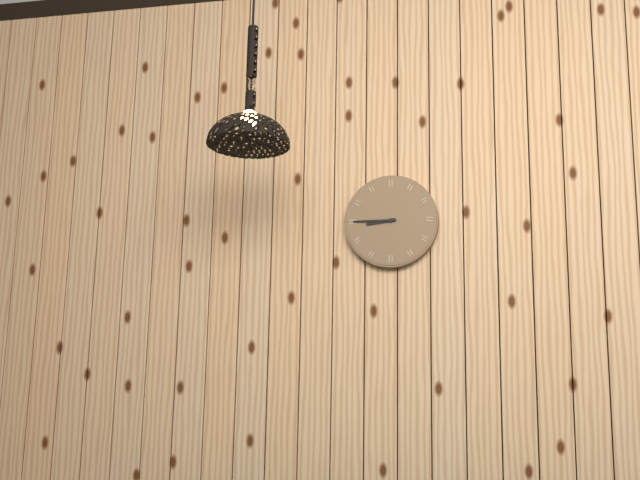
8:45
